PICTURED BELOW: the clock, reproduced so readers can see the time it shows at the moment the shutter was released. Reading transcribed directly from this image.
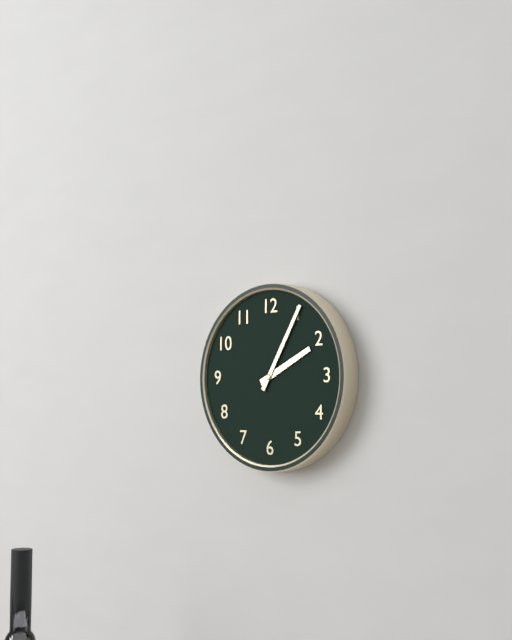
2:05
